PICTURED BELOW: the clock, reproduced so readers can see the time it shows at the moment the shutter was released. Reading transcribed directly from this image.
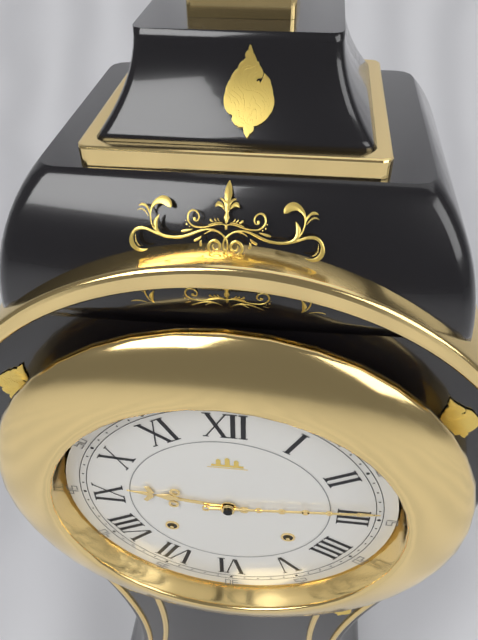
9:14
